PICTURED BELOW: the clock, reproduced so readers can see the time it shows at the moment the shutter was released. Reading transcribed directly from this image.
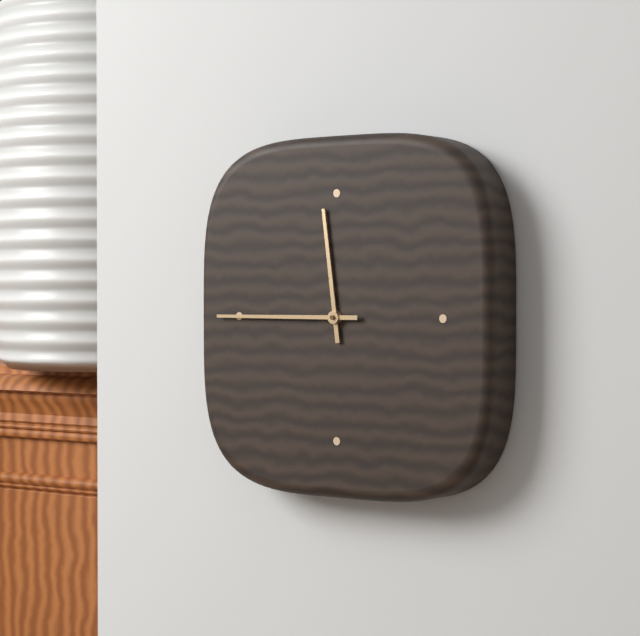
11:45
